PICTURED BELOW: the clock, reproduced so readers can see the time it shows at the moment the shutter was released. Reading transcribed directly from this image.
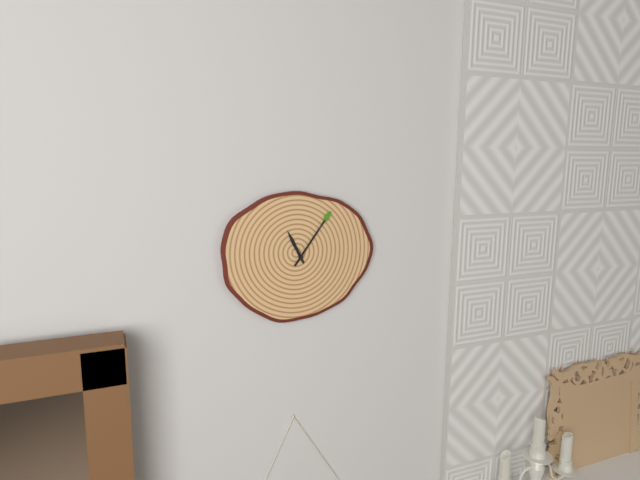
11:06
